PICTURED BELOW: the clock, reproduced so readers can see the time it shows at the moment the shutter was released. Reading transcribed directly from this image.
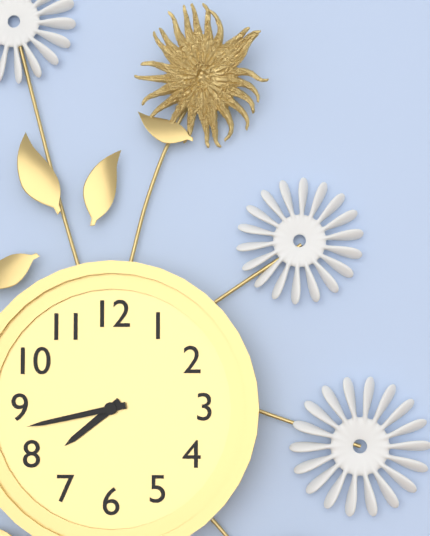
7:43
